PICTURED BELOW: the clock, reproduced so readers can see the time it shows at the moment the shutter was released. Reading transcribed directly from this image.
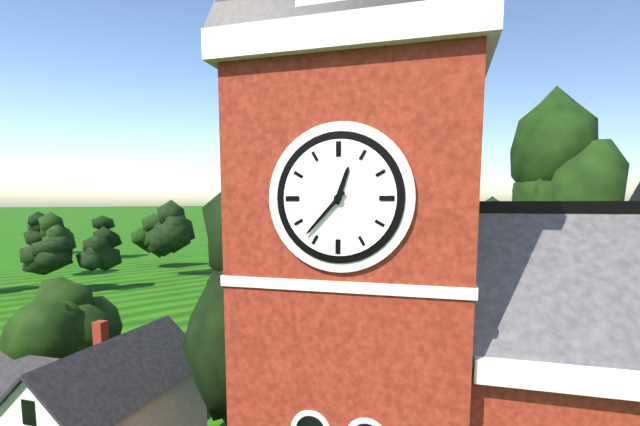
12:37
